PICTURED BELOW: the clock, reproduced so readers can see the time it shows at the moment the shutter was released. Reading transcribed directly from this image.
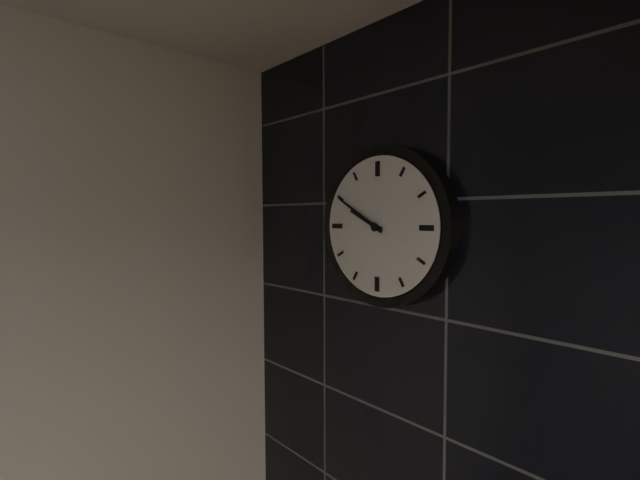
9:50
